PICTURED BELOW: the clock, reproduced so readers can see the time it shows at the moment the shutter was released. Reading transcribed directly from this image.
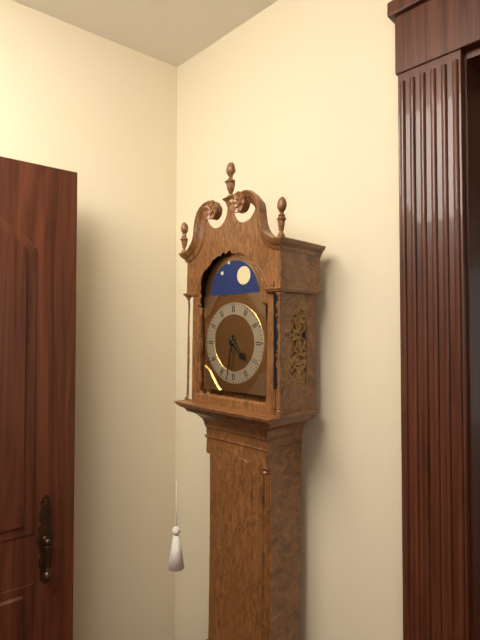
4:32
